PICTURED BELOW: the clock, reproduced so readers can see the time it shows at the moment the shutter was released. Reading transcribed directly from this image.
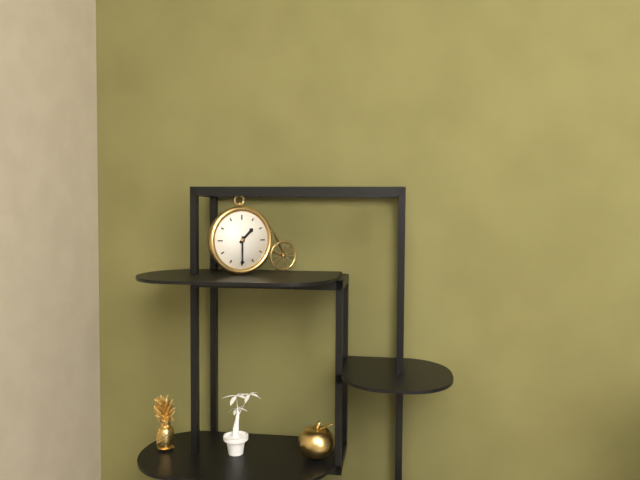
1:30
